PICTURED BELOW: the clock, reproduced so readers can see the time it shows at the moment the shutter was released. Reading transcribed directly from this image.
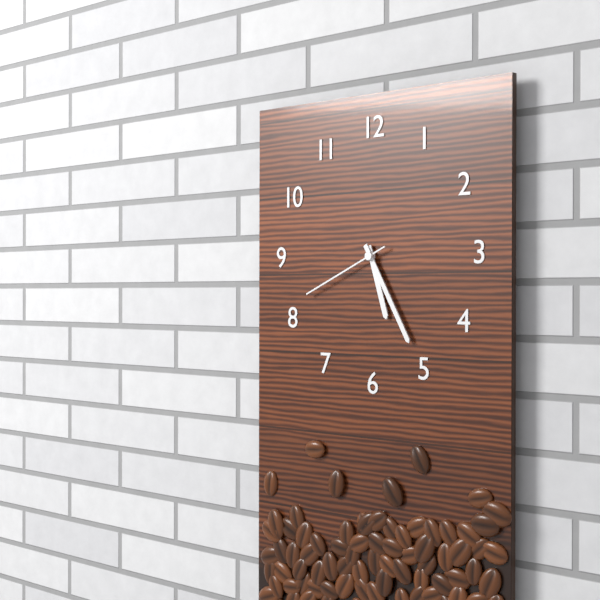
5:25:41
